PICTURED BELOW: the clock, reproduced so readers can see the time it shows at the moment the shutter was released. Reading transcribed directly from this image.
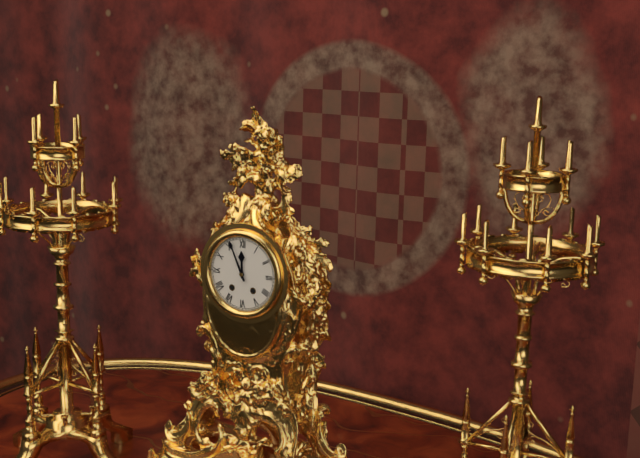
11:56
